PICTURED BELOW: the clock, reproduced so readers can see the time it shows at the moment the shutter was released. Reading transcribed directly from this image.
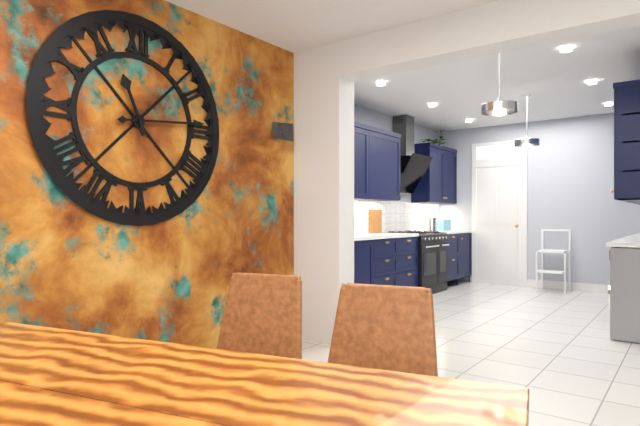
11:14
